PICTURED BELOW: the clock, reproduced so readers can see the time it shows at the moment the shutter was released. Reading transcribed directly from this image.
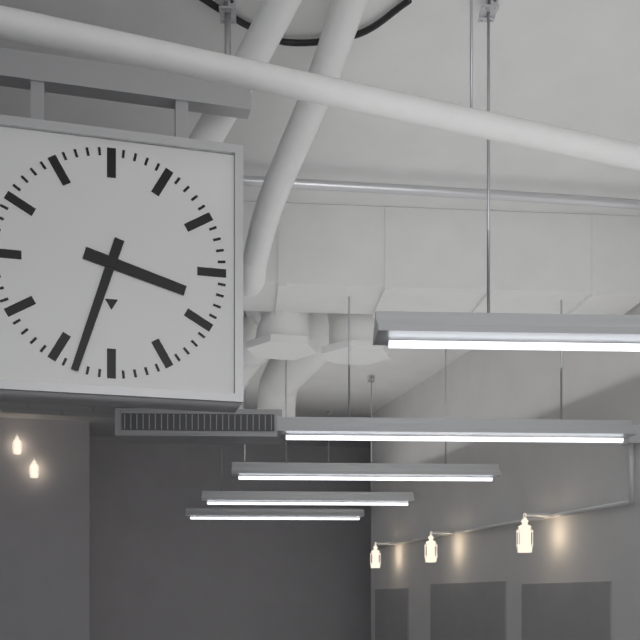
3:33
